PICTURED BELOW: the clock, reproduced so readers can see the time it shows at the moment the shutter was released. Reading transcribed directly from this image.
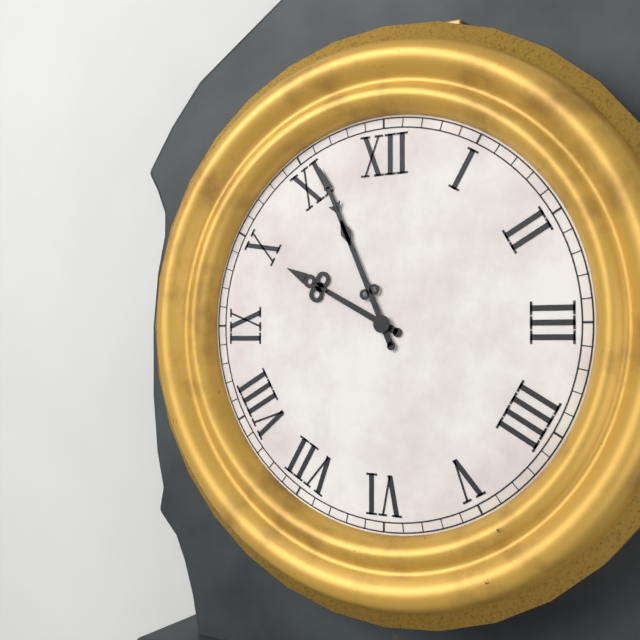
9:56
